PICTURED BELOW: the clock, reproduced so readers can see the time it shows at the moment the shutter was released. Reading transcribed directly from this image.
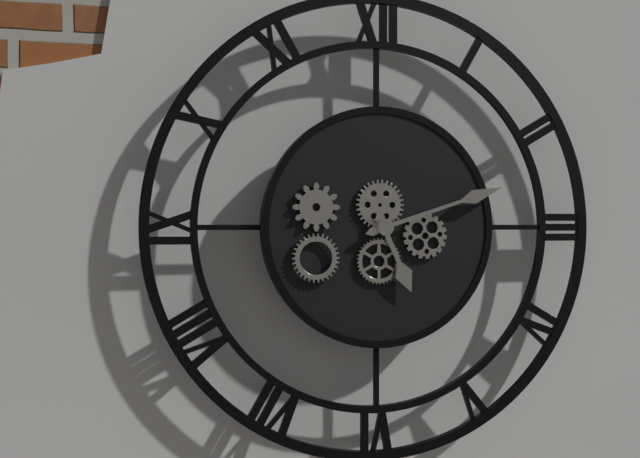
5:12
